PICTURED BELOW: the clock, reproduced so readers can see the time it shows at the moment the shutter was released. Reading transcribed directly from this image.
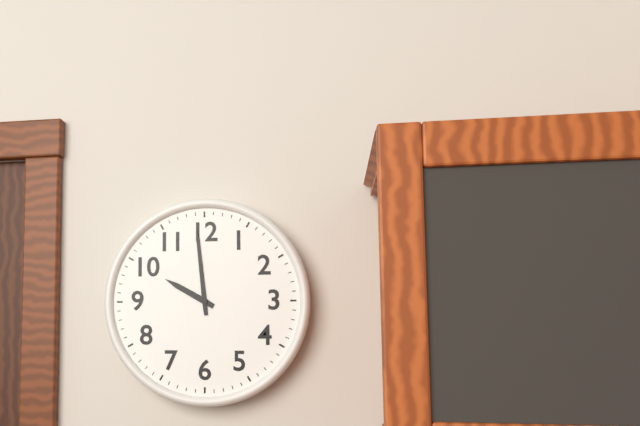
9:59
